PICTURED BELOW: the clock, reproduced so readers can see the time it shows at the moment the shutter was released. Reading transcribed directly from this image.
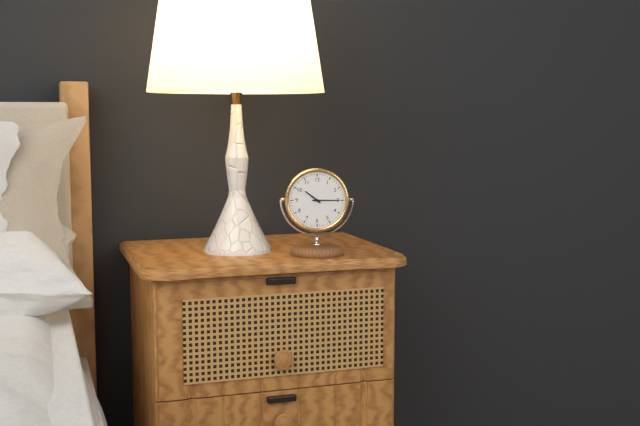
10:15
